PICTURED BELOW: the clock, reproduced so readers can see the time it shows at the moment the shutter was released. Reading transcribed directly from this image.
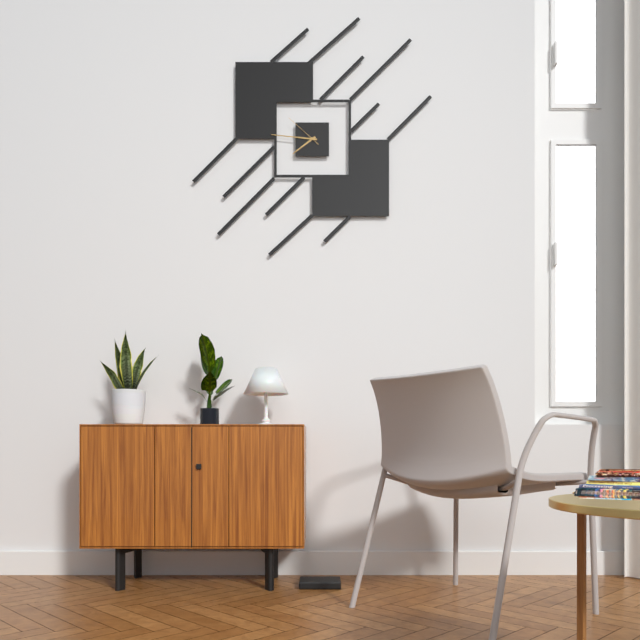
7:46
